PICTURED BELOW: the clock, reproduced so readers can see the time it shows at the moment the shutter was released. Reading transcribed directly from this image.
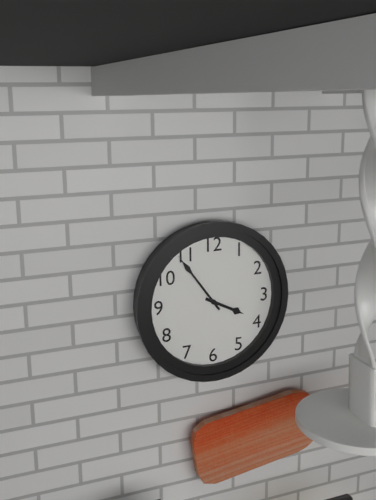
3:54
